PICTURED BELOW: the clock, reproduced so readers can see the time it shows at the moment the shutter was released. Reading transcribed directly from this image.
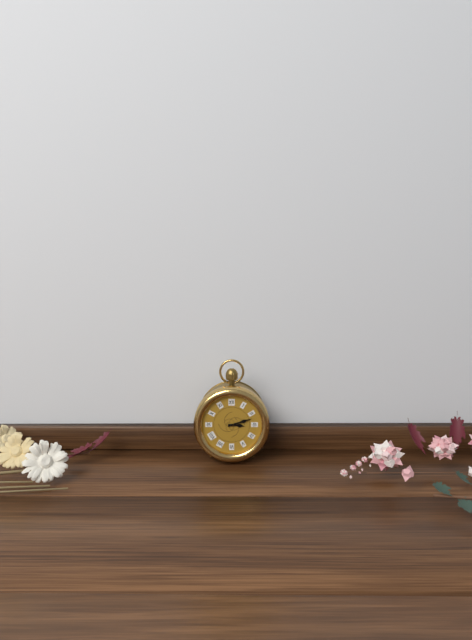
3:12
